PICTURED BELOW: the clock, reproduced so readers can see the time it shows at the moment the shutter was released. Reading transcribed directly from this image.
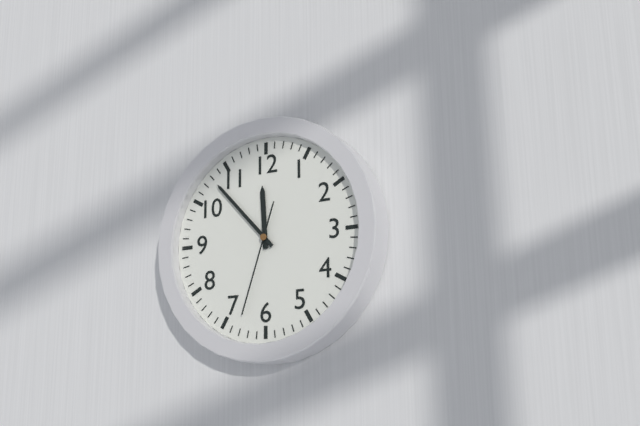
11:53:33
